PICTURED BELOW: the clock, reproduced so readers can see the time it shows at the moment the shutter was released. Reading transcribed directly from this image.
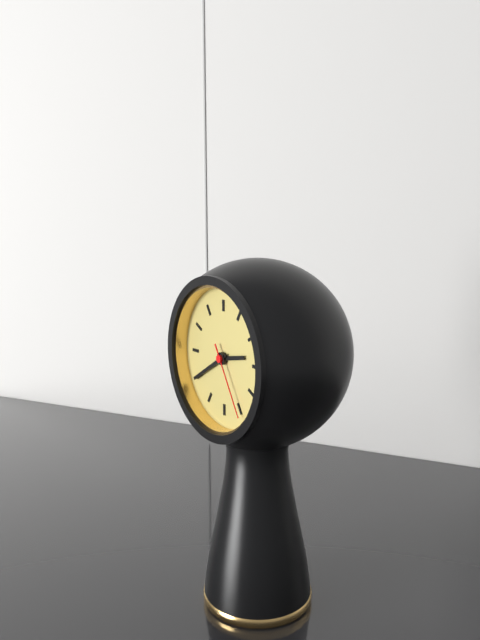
2:40:25
